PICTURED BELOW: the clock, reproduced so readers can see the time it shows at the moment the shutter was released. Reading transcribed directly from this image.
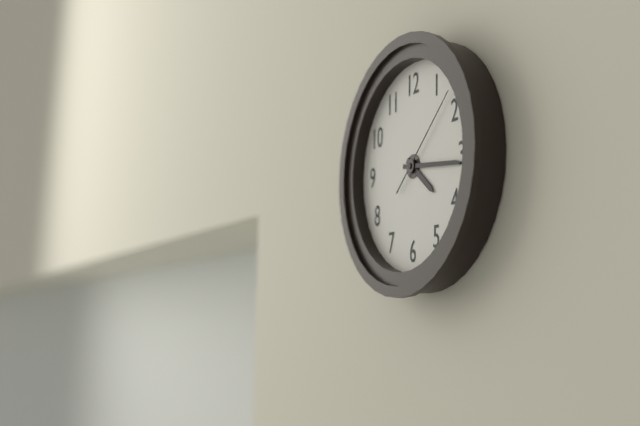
4:16:08
